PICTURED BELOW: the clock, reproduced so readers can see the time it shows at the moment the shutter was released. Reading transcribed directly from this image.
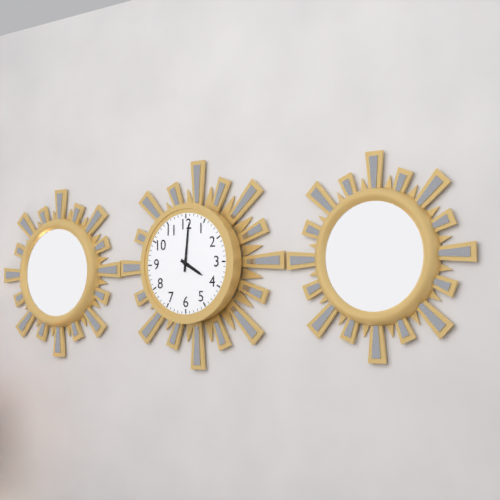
4:01
